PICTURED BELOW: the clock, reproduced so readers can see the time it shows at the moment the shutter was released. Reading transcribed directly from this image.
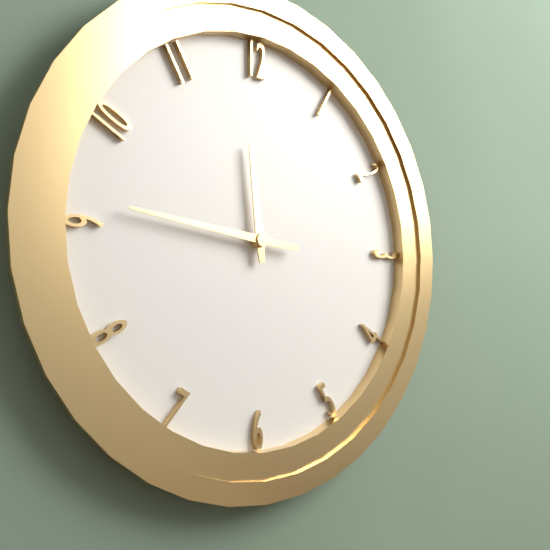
11:46
